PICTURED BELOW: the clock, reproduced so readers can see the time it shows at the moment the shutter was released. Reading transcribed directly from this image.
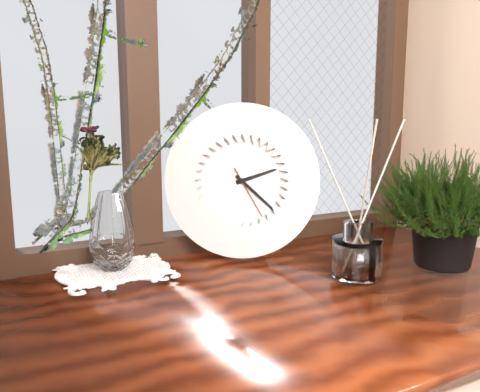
2:22
